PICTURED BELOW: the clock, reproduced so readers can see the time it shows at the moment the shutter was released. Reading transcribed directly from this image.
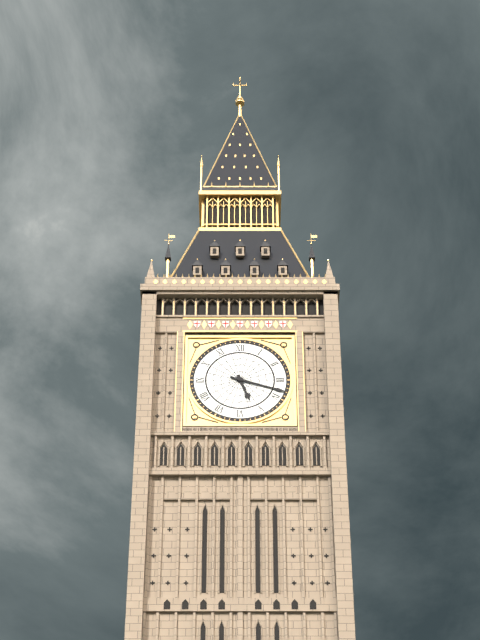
5:18
